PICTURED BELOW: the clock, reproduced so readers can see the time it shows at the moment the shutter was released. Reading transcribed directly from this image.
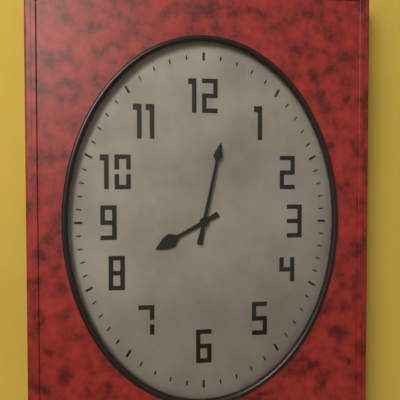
8:02
